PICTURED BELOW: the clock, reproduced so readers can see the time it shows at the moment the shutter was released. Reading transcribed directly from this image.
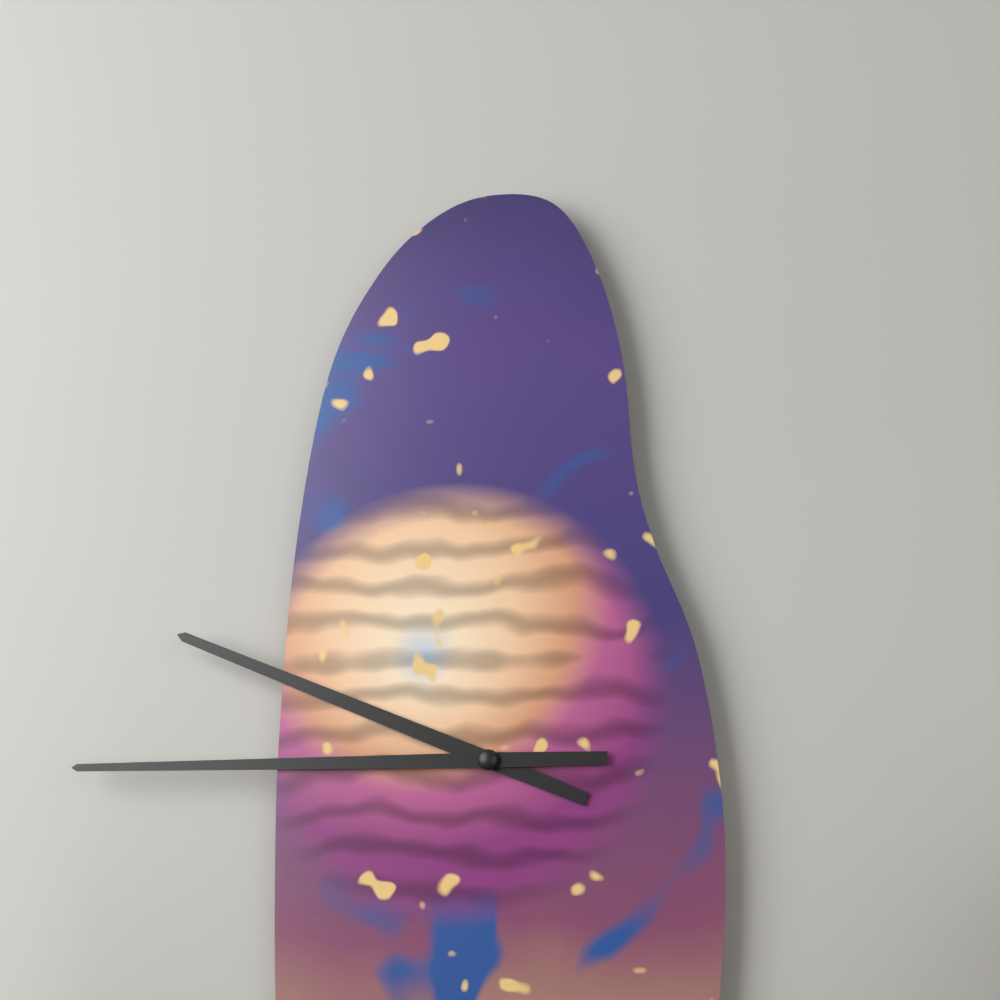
9:45
